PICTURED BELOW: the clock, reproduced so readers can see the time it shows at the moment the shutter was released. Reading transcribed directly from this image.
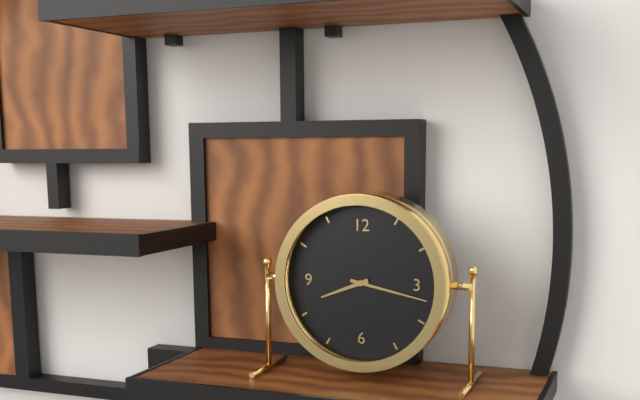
8:17
